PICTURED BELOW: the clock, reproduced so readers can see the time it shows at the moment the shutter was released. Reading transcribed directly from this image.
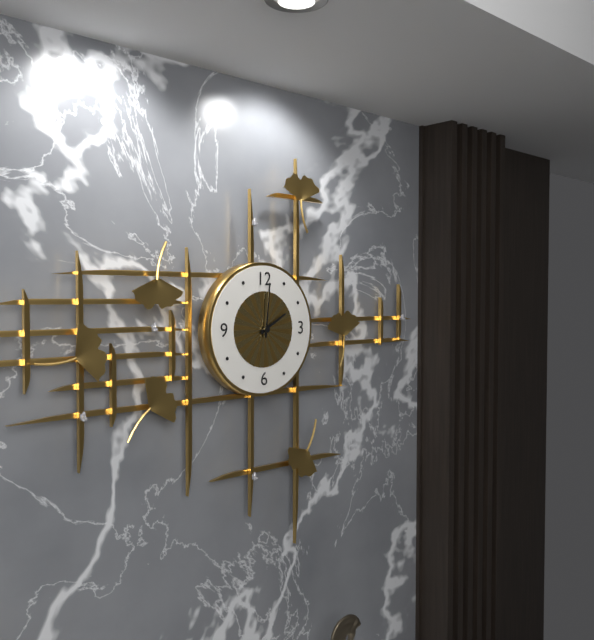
2:01
